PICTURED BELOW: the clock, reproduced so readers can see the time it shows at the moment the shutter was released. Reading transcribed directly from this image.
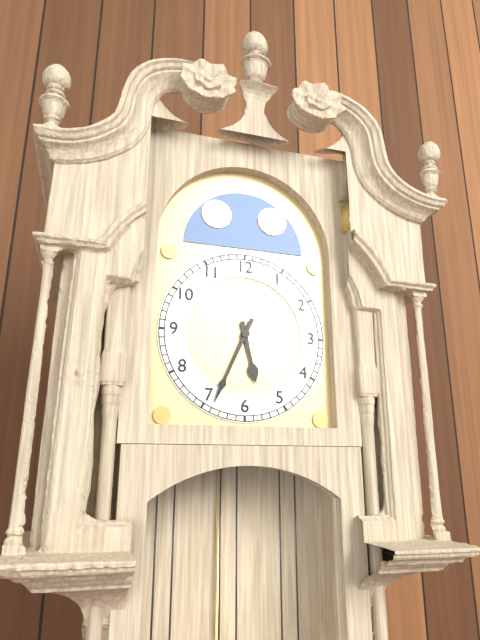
5:34
